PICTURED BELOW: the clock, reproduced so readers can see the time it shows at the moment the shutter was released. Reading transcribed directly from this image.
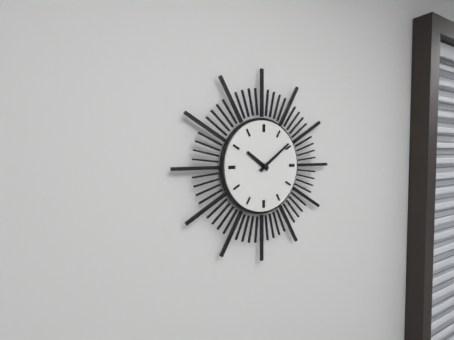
10:09
